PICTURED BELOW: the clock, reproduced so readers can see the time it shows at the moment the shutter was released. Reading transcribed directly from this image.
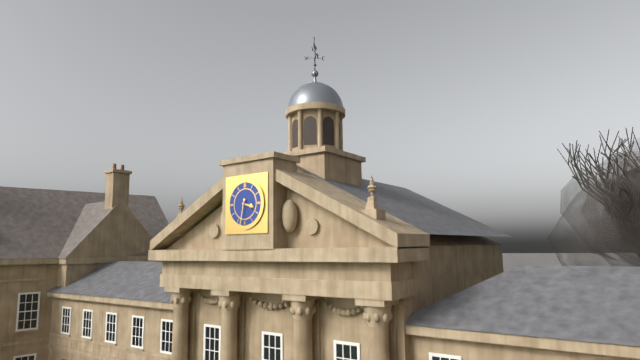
3:32
